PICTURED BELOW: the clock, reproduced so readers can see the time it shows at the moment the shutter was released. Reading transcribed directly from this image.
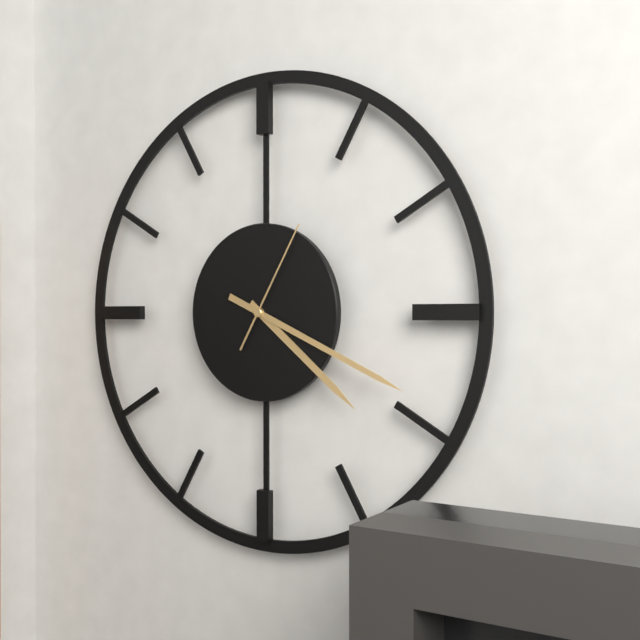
4:19:05
